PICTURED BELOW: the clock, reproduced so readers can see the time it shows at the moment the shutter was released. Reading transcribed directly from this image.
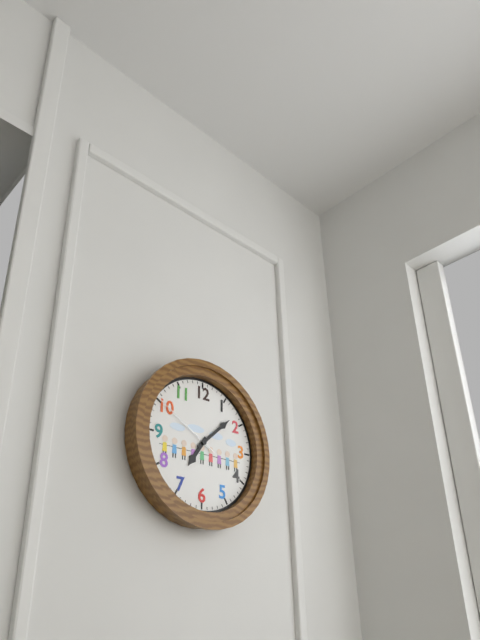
7:08:50
